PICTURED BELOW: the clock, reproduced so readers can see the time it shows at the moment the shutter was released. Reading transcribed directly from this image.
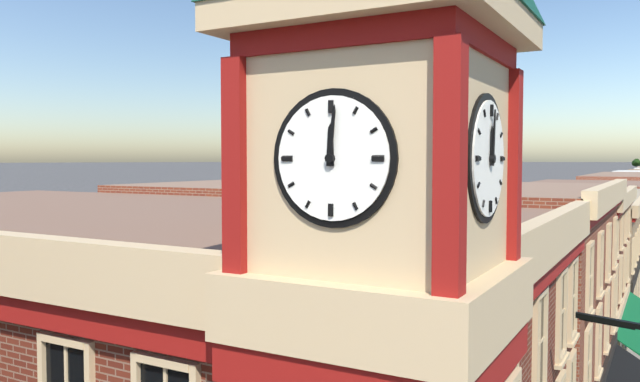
12:01
